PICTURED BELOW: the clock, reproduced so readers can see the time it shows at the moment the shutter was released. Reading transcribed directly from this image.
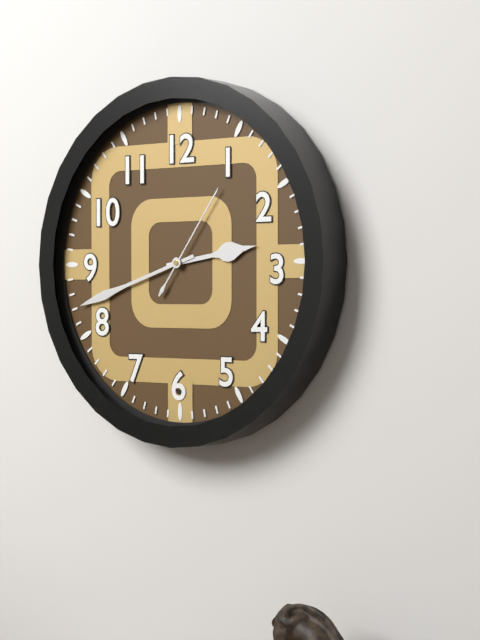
2:42:06
